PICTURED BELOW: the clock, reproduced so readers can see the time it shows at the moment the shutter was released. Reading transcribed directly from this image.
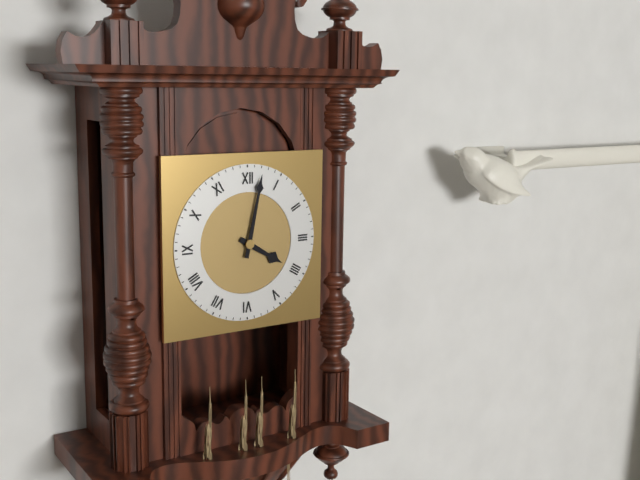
4:02
